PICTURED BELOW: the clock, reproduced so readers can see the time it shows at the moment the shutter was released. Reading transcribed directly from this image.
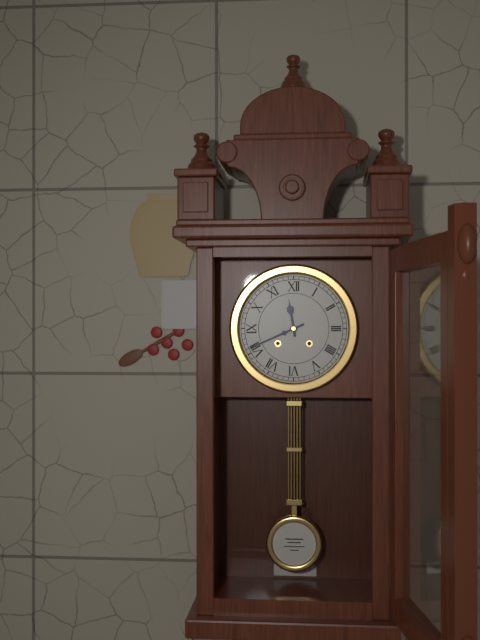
11:41
